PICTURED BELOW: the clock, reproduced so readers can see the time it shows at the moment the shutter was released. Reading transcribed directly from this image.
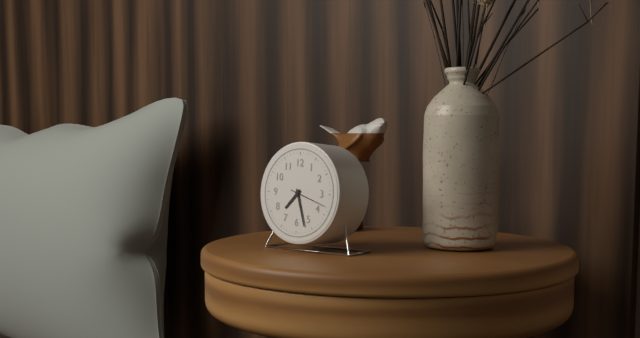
7:27
